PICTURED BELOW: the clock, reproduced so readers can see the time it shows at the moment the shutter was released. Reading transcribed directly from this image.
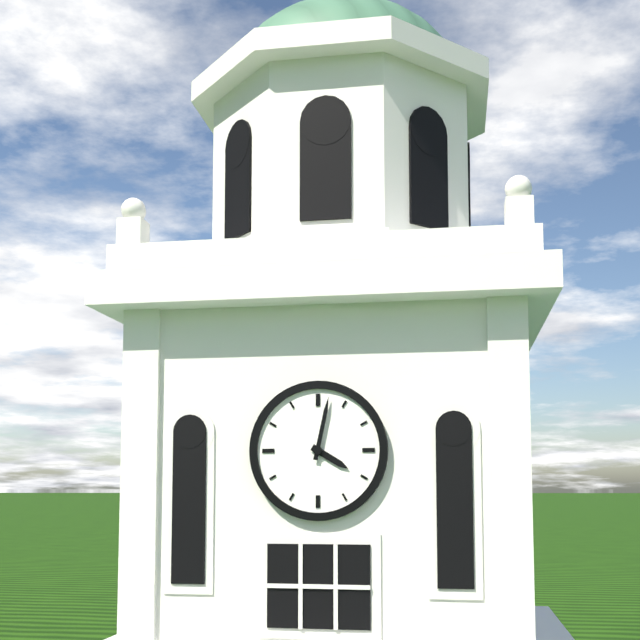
4:02
